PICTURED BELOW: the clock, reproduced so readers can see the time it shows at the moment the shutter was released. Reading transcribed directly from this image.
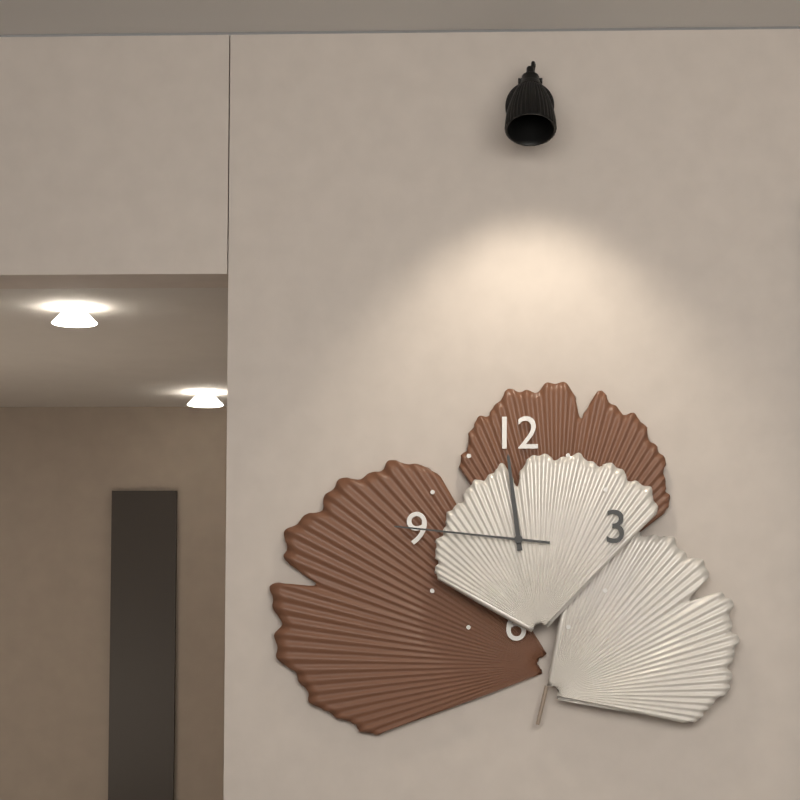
11:46
